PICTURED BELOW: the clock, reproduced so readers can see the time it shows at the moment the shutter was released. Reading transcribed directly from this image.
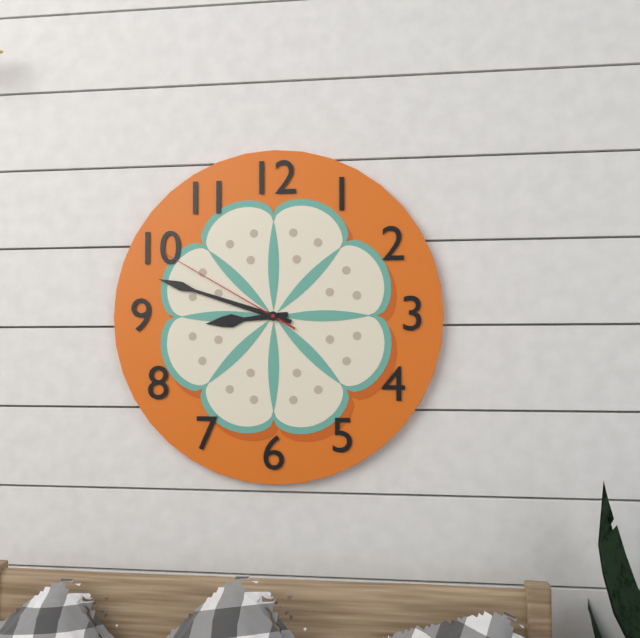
8:48:50
